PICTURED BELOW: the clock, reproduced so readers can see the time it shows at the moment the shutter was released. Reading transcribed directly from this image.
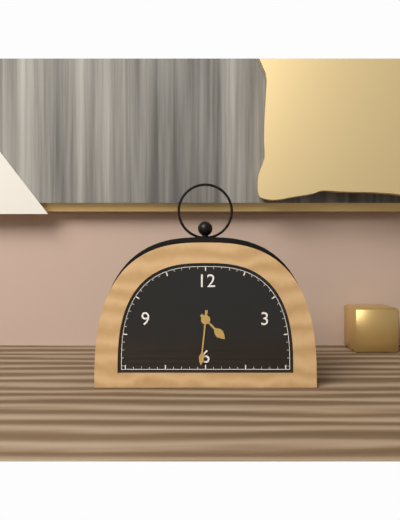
4:31
